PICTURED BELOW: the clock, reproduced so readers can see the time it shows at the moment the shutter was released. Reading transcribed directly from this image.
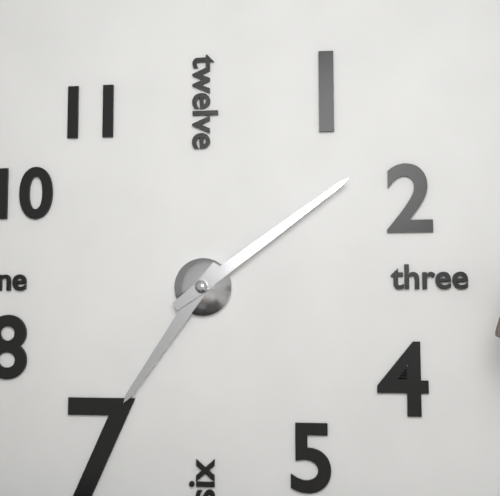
7:09
